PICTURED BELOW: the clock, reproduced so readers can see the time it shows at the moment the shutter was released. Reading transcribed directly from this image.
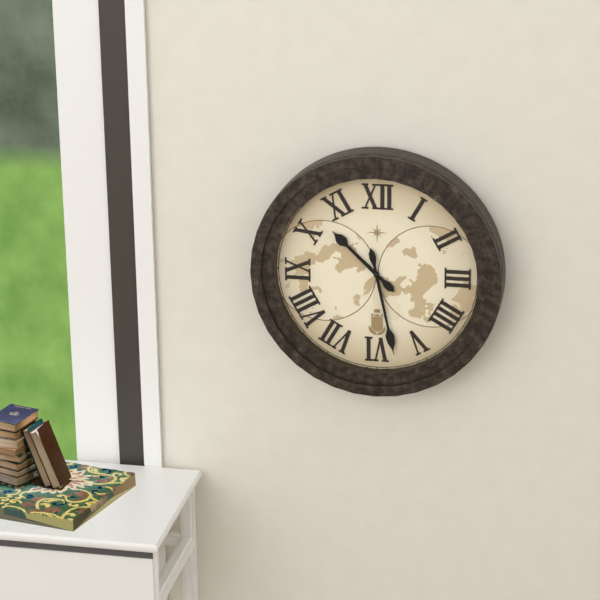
10:28
